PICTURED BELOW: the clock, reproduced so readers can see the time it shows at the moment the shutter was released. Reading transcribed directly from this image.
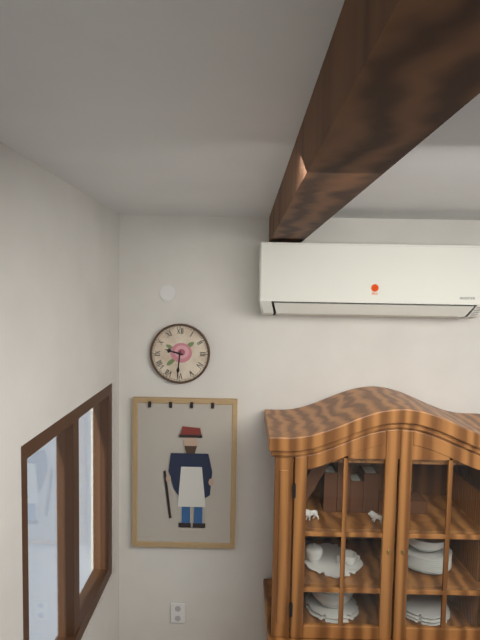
9:31
